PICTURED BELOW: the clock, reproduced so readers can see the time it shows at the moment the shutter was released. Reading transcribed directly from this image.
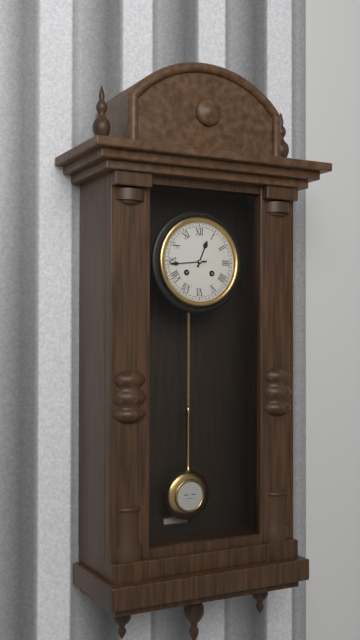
12:44
